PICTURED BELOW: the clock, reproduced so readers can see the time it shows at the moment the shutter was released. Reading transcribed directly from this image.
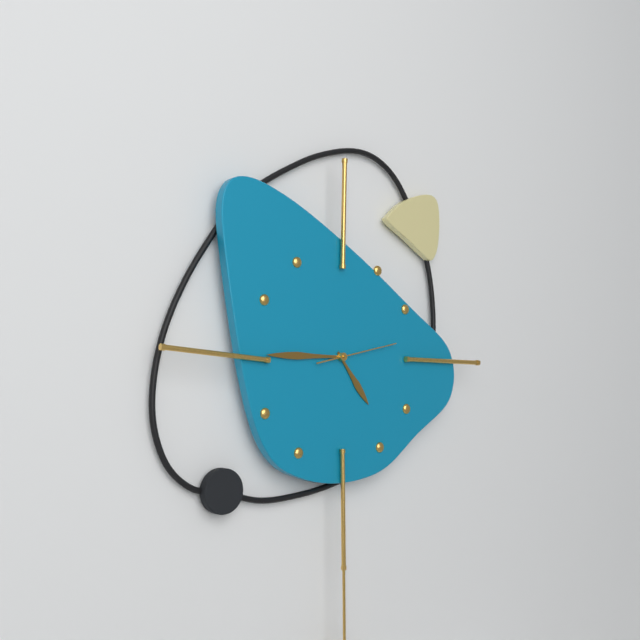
4:45:13
